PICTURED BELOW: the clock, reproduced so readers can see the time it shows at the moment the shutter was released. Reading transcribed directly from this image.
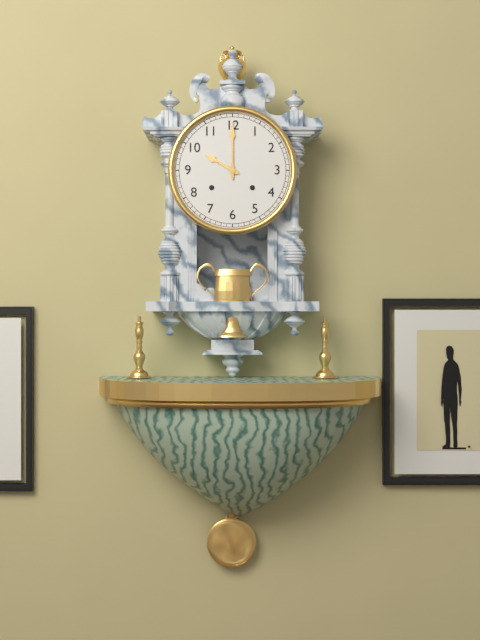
10:00
